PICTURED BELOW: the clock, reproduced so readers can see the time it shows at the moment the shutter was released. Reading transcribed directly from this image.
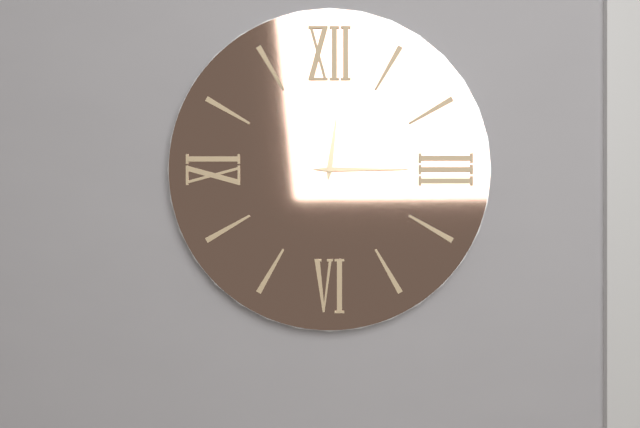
12:15
